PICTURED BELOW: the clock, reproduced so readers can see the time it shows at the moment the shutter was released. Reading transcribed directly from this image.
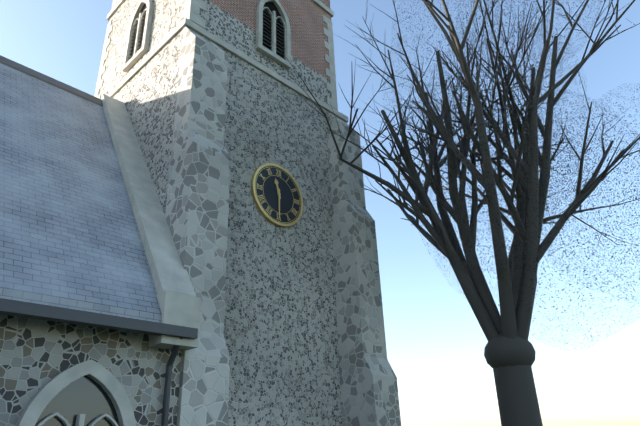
11:30
